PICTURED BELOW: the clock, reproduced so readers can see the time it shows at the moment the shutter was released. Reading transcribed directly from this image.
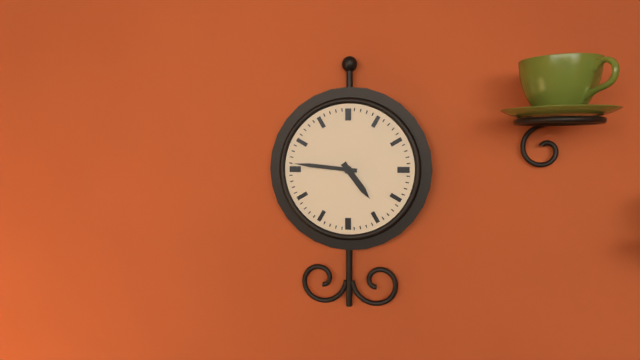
4:46
